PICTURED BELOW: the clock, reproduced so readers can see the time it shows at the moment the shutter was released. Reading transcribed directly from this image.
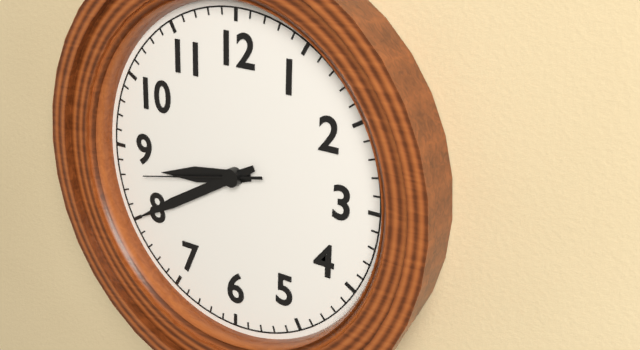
8:40:43
